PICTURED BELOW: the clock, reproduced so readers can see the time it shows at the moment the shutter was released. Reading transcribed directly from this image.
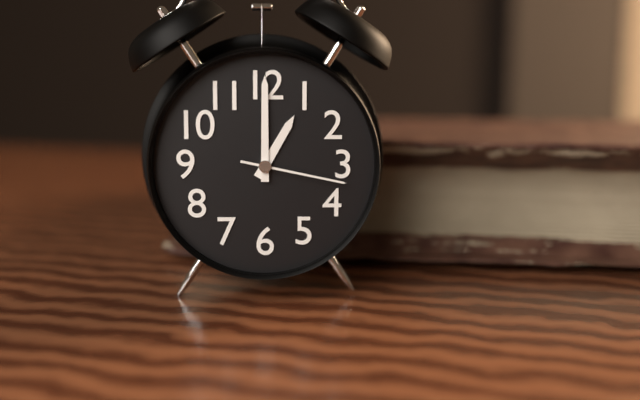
1:00:17
